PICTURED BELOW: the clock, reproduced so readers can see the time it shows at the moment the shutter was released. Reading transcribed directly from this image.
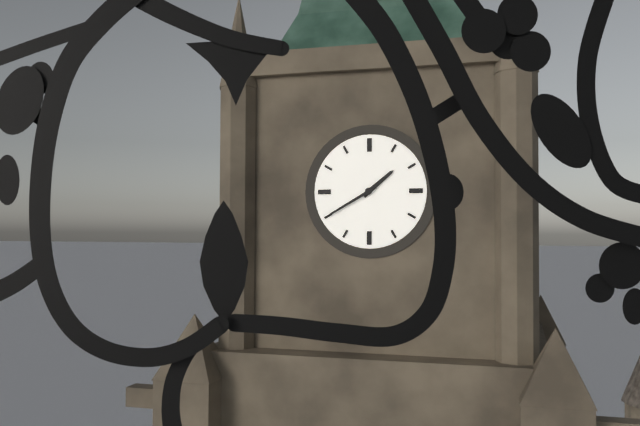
1:40
